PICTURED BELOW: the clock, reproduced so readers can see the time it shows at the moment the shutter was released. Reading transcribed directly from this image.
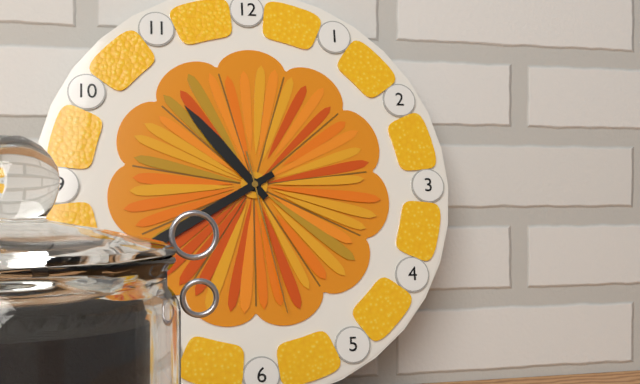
10:40:28
